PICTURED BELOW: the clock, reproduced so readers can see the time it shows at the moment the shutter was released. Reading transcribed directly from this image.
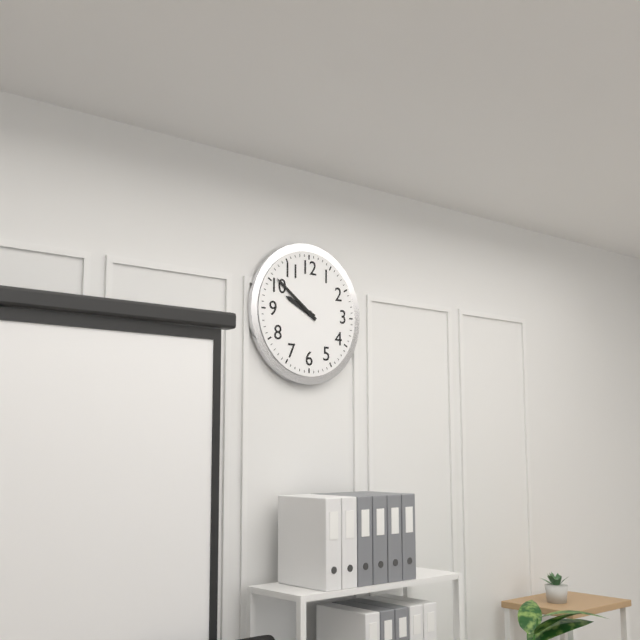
9:51
